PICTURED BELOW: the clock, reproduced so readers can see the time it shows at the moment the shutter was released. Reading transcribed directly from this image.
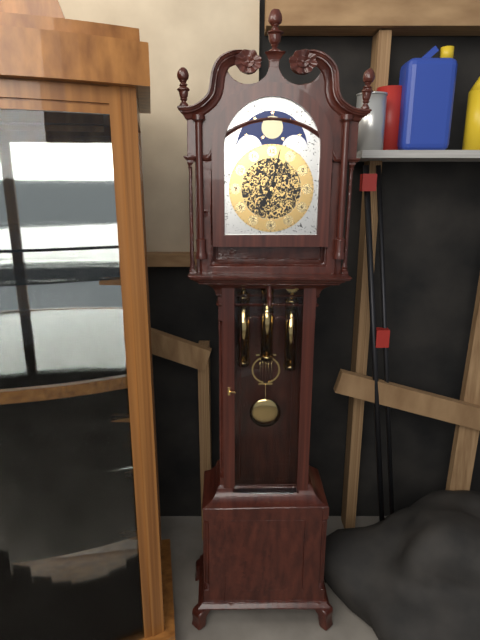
7:02
